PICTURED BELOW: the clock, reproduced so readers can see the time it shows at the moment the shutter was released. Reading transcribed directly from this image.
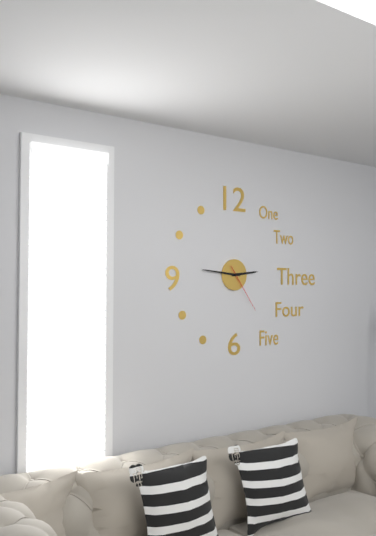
2:46:24
